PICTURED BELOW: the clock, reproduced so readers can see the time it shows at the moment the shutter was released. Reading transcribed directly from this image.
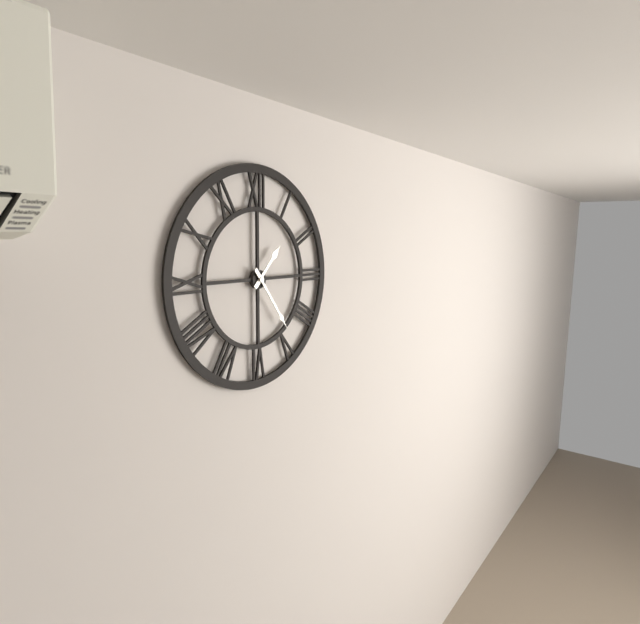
1:24
